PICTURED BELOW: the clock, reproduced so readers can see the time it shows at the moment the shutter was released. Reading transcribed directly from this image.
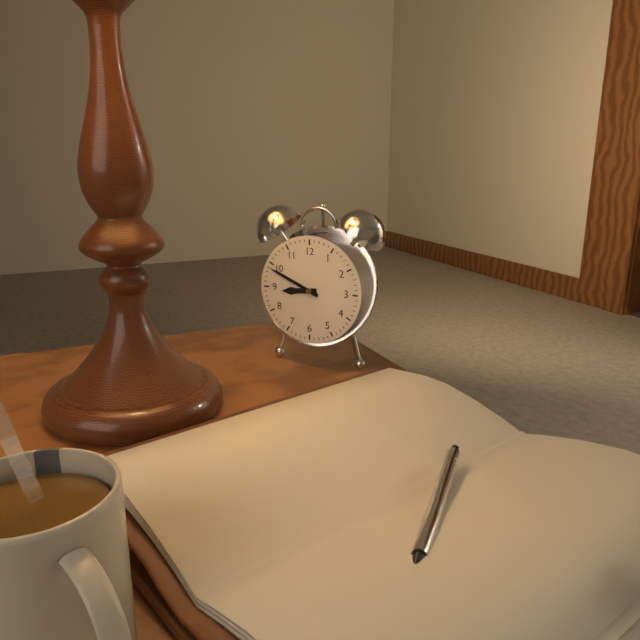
8:49
